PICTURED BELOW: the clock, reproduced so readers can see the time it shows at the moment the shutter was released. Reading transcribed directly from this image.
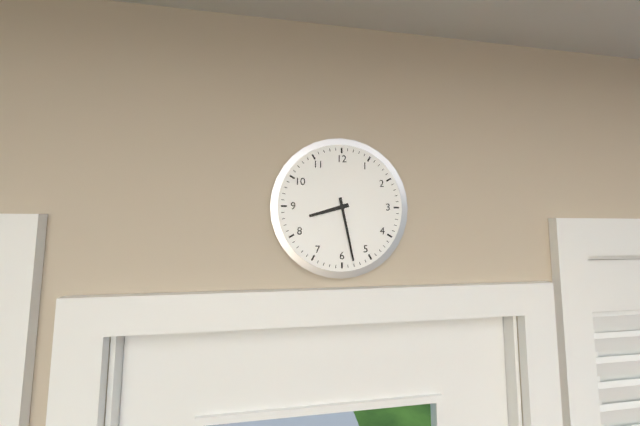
8:28
